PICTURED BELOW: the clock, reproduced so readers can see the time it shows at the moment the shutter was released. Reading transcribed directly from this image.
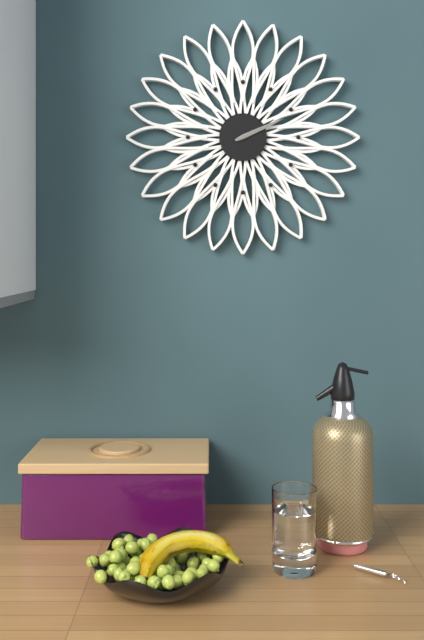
2:11
